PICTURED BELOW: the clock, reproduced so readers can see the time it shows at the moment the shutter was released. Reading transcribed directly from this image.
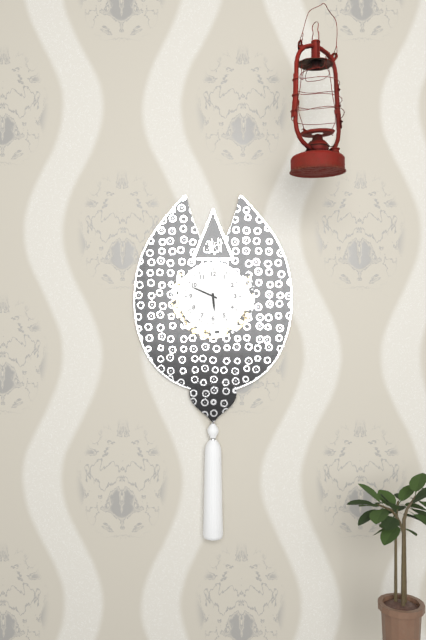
5:49
